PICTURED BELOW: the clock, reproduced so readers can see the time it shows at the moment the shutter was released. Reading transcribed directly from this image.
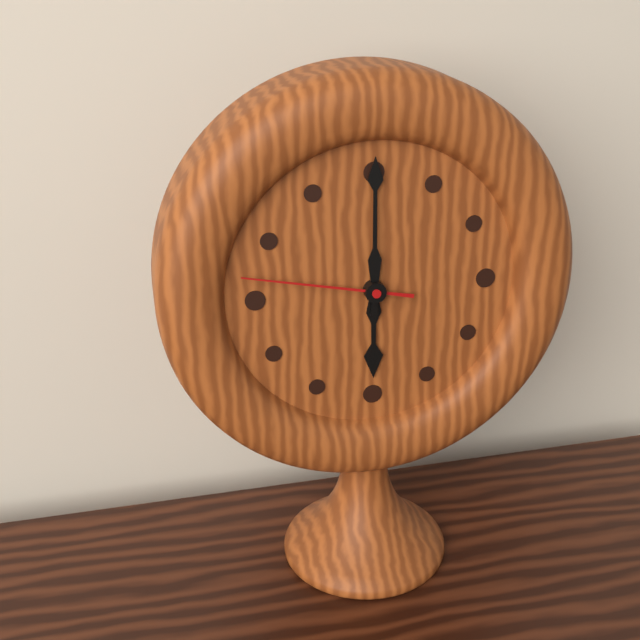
6:00:47
